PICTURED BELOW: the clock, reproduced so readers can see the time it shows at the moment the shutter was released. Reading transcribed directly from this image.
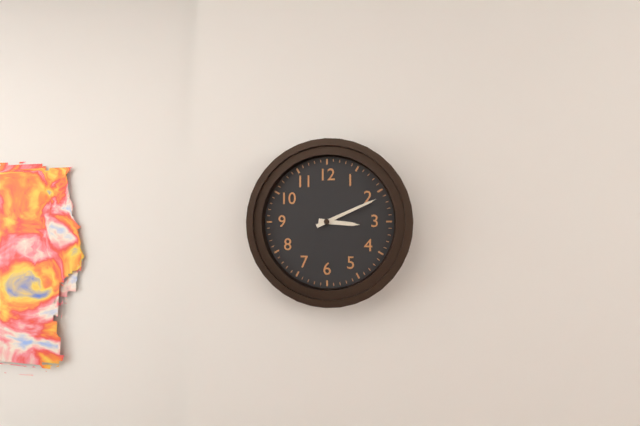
3:11
